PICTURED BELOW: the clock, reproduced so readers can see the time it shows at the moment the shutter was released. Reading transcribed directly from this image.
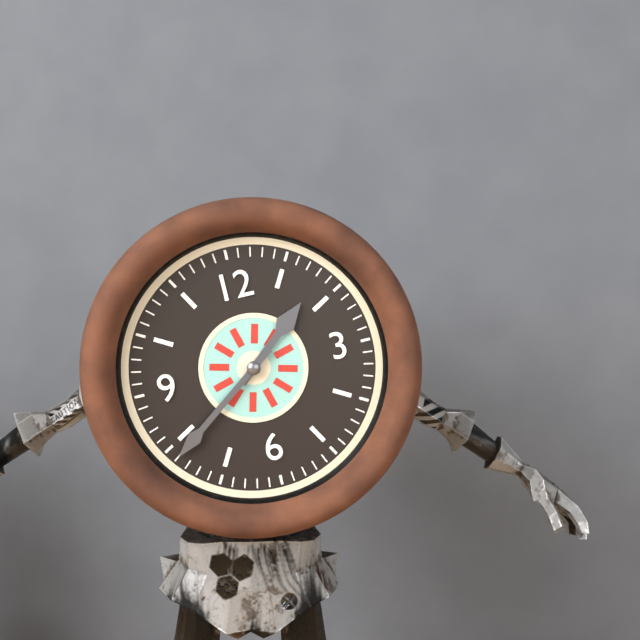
1:39
